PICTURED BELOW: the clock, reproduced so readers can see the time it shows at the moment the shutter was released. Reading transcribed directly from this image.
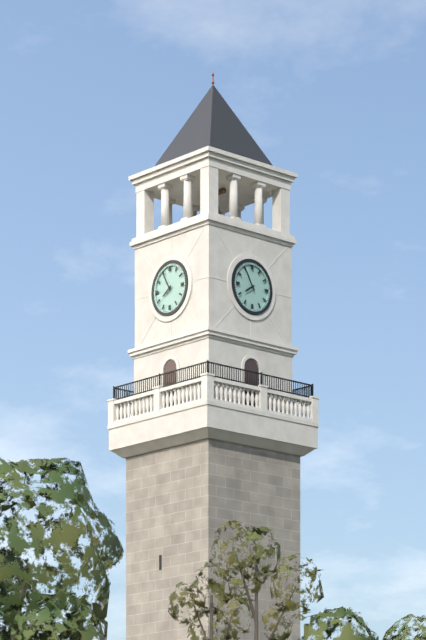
7:55
